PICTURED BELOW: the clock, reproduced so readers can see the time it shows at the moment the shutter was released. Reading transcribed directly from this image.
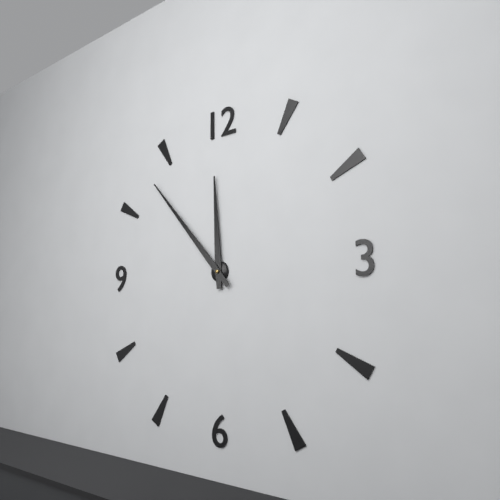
11:53
